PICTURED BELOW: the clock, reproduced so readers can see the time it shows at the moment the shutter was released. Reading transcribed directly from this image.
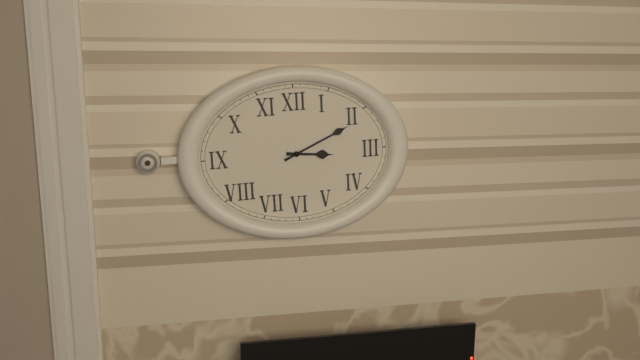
3:11
